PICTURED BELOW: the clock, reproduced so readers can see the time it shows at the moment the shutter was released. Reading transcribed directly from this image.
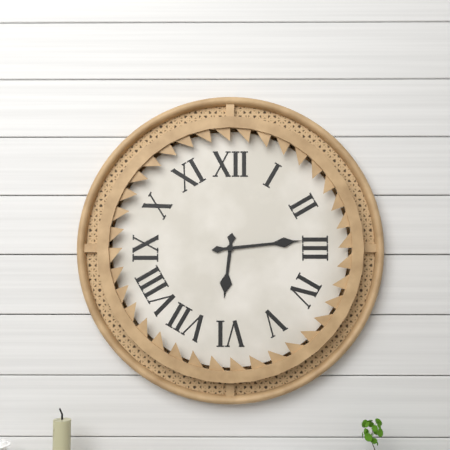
6:14
